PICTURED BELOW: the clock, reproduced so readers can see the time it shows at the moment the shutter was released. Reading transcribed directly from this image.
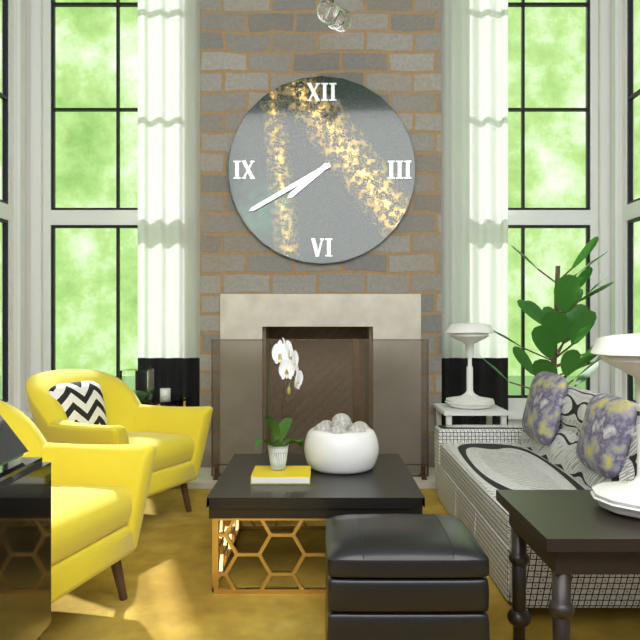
7:40
